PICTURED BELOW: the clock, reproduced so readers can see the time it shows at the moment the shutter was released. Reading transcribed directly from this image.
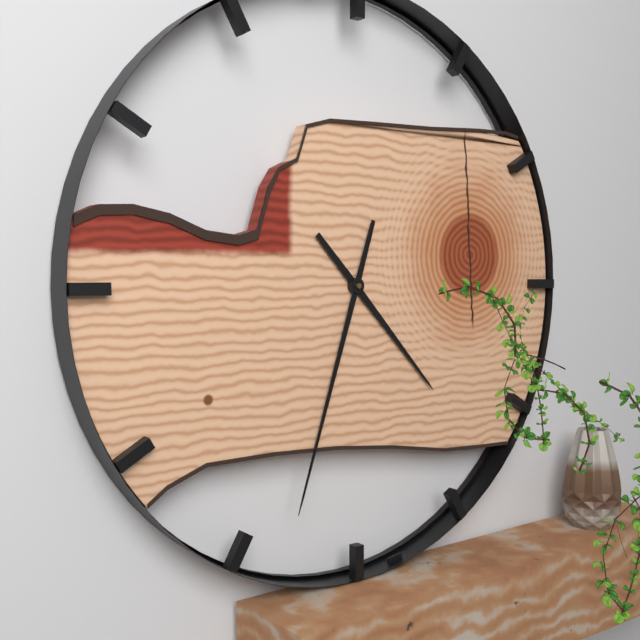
4:33
